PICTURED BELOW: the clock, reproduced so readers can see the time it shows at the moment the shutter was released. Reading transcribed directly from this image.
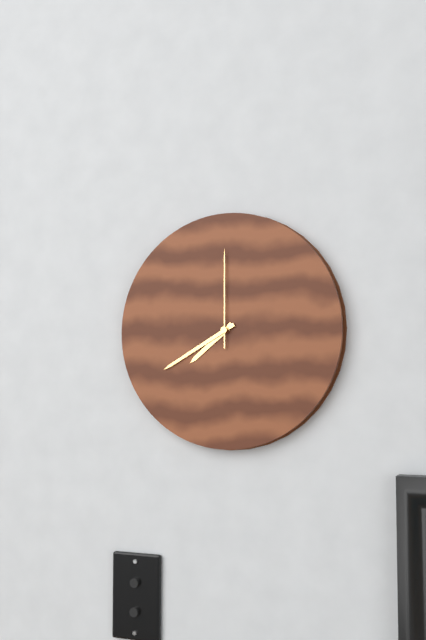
7:40:00
